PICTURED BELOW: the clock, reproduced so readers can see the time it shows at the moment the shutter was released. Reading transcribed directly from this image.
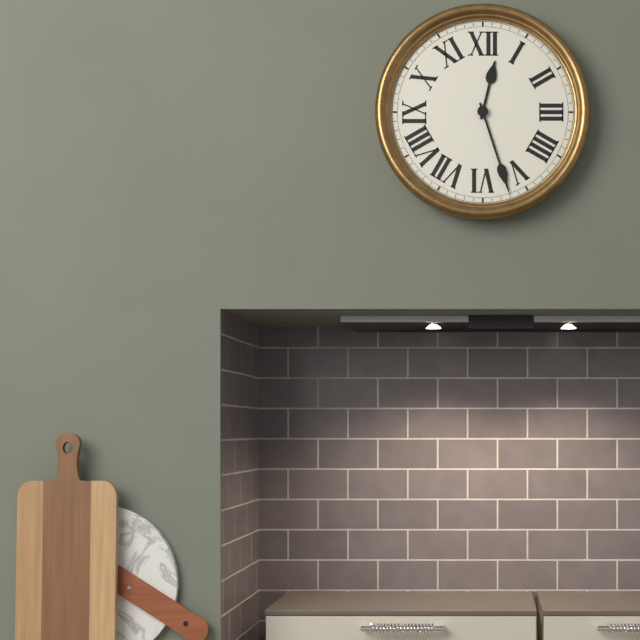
12:27
